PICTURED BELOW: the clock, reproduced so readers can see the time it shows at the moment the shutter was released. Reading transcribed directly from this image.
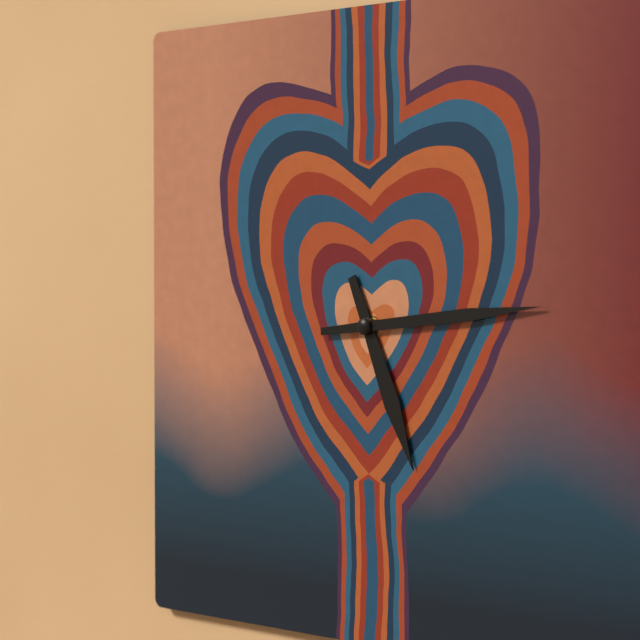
5:14
